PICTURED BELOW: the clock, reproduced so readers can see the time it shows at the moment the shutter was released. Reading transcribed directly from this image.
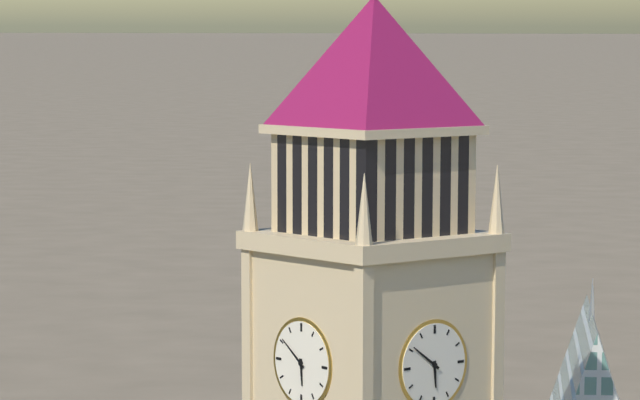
5:51
